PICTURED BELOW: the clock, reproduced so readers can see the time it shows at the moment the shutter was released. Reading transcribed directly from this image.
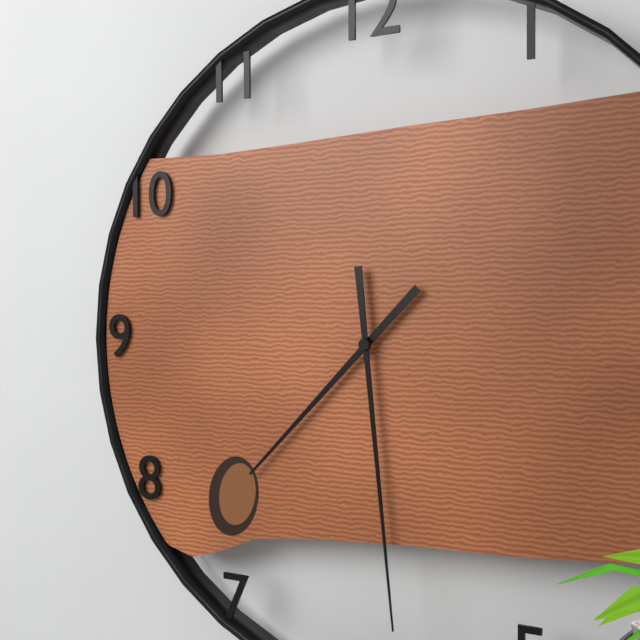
7:29
